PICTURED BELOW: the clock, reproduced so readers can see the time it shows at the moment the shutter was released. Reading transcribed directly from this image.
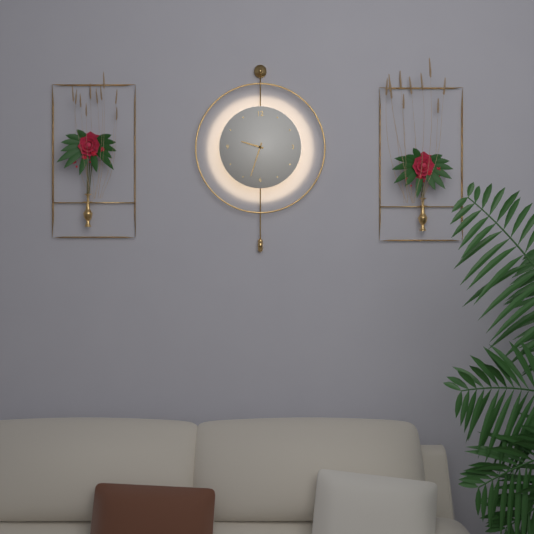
9:33
